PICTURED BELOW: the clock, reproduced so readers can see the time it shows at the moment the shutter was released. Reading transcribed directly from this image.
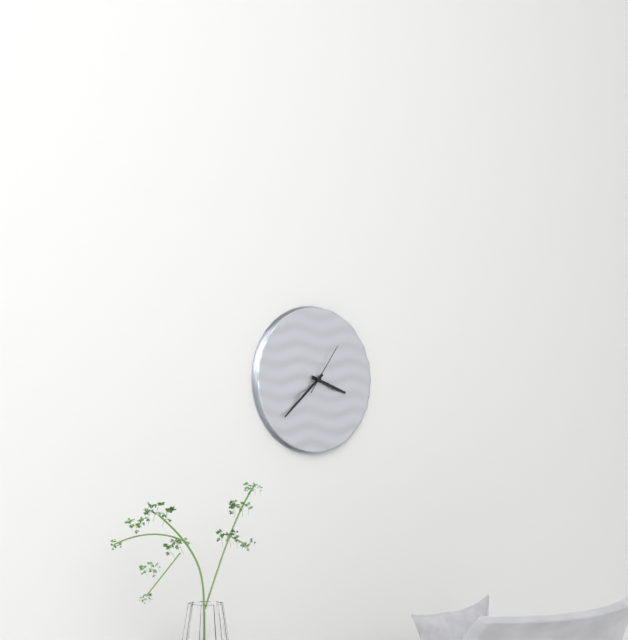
3:38
